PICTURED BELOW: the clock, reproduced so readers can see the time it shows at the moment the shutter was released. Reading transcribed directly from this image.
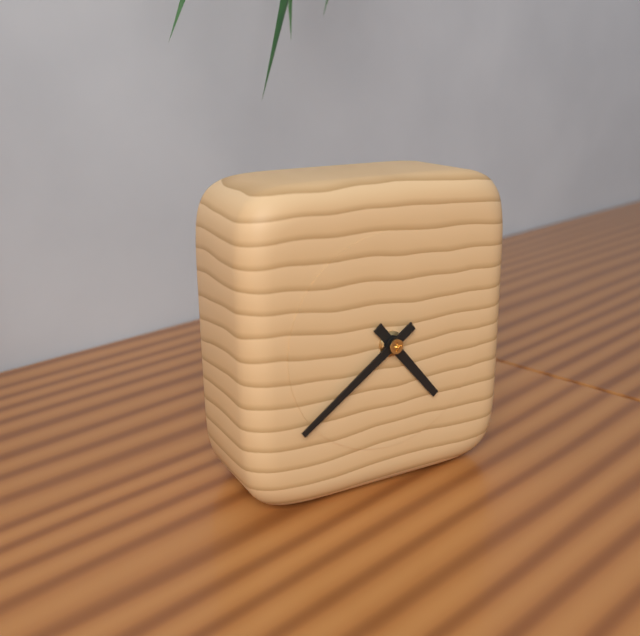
4:39
